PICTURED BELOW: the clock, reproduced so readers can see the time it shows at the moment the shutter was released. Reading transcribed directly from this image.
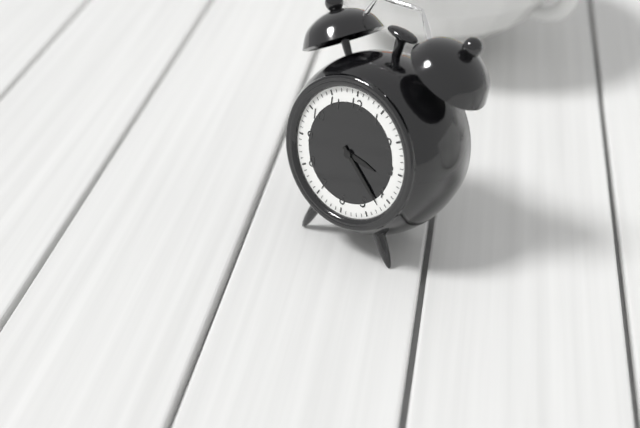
3:22
